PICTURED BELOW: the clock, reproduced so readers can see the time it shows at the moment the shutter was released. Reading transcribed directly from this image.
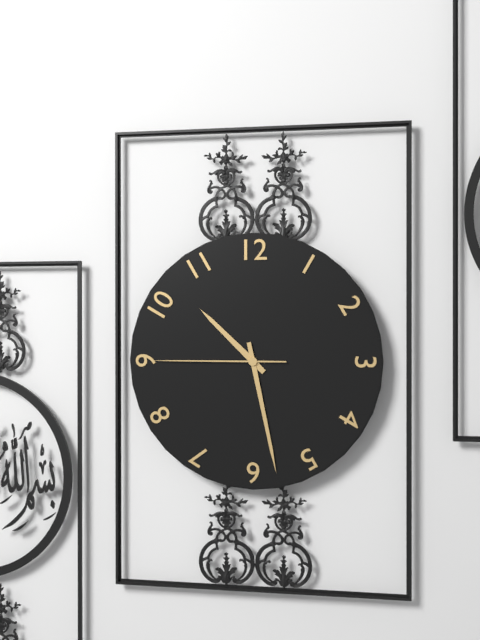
10:28:45
